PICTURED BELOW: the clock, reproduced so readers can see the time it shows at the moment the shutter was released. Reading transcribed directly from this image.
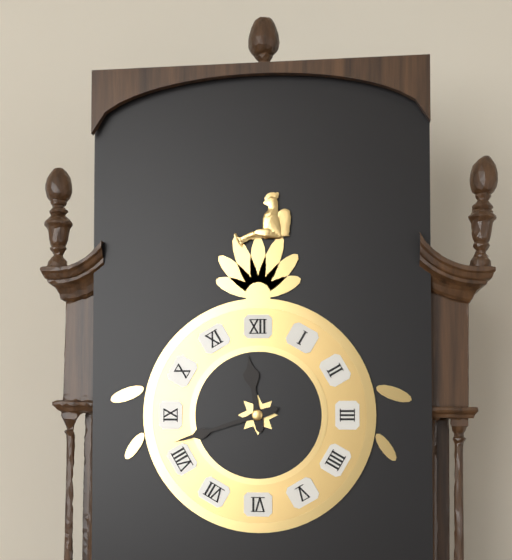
11:42
